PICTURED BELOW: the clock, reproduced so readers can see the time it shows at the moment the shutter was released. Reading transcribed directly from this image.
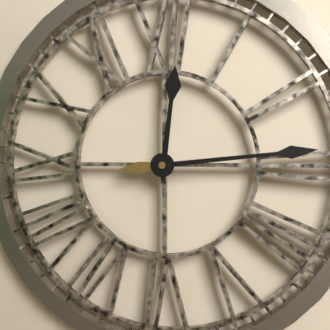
12:14
